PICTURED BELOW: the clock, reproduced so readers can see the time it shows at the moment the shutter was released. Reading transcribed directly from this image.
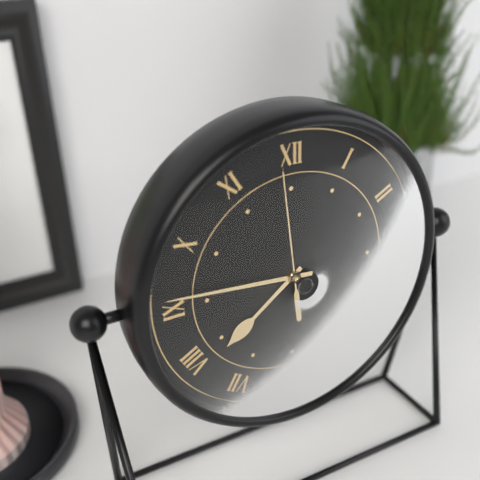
7:46:59
